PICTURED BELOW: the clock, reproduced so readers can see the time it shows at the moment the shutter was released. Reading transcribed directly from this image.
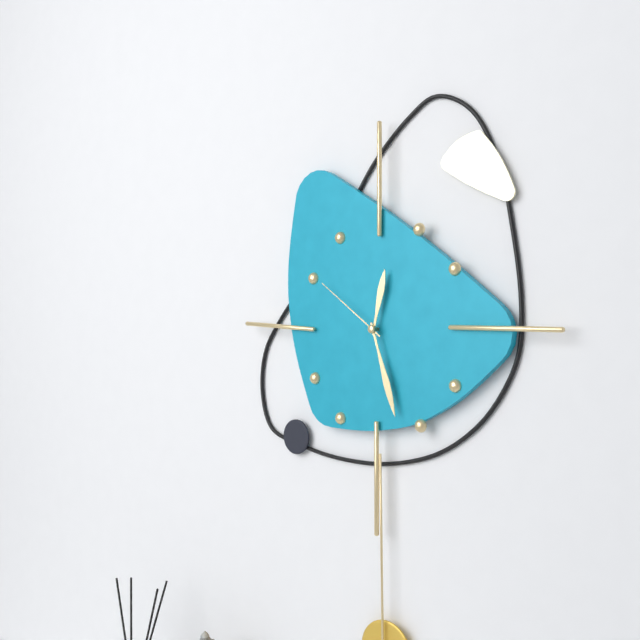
12:27:51
